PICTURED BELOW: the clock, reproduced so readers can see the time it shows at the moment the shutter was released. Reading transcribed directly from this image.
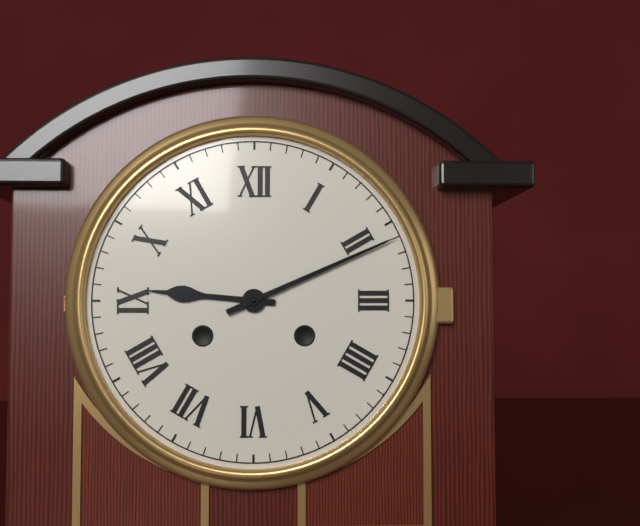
9:11
